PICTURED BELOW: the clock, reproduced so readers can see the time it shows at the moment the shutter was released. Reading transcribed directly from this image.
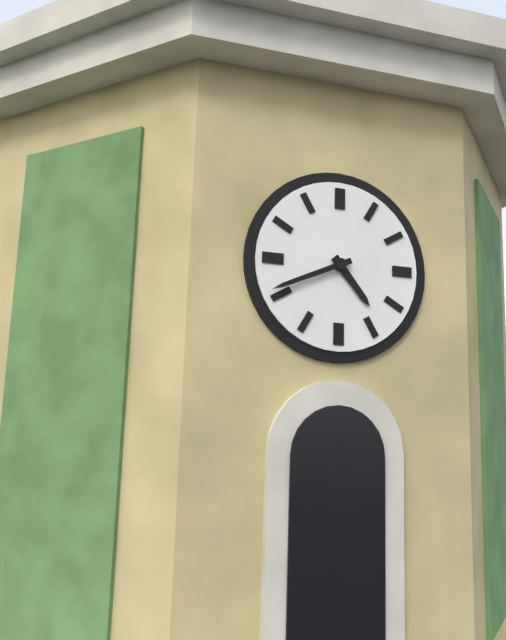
4:41
